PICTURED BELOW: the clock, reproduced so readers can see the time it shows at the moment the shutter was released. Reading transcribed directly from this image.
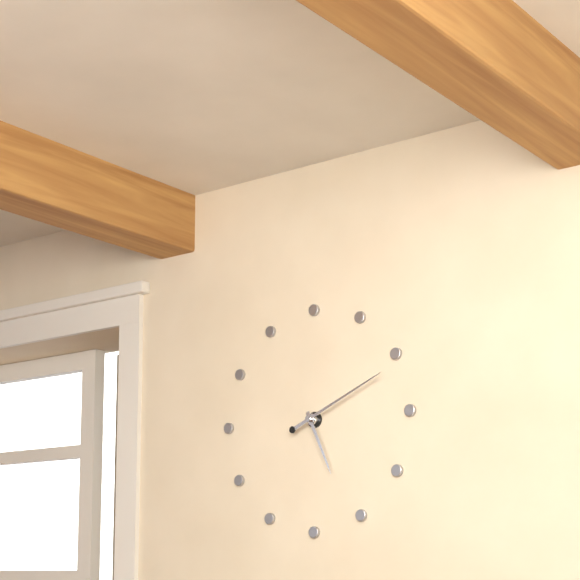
5:11
